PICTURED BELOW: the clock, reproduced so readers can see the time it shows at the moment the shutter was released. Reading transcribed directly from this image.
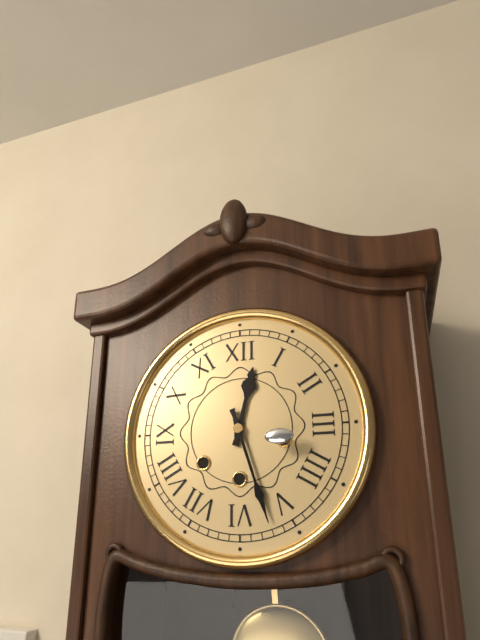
12:27
